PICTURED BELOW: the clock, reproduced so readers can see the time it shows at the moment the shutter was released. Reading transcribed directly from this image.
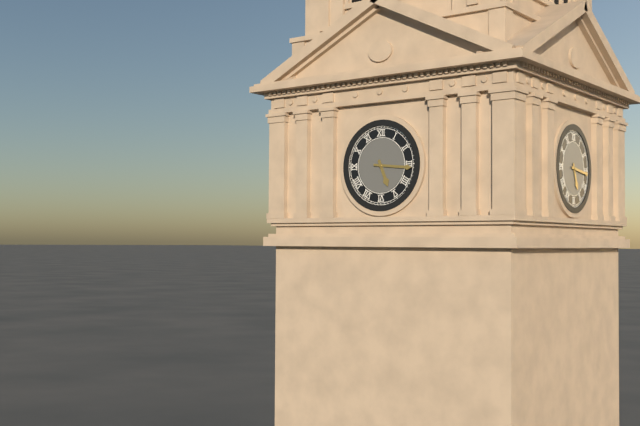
5:16
